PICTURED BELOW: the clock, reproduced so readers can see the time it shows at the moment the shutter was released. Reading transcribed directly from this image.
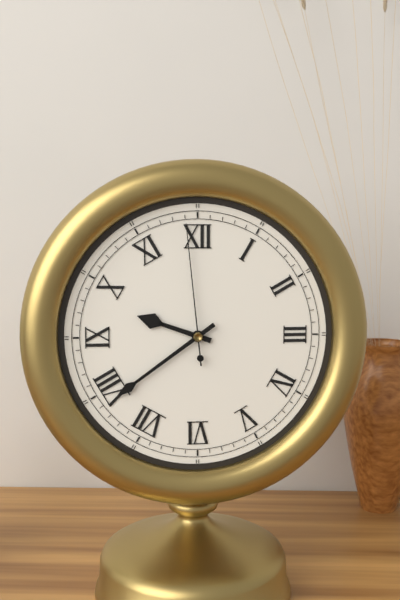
9:39:59
